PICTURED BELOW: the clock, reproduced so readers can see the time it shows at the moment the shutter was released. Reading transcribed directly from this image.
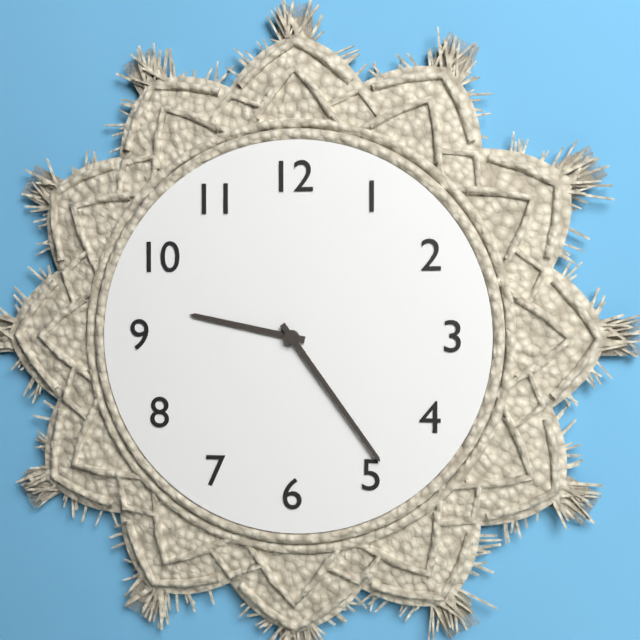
9:24
